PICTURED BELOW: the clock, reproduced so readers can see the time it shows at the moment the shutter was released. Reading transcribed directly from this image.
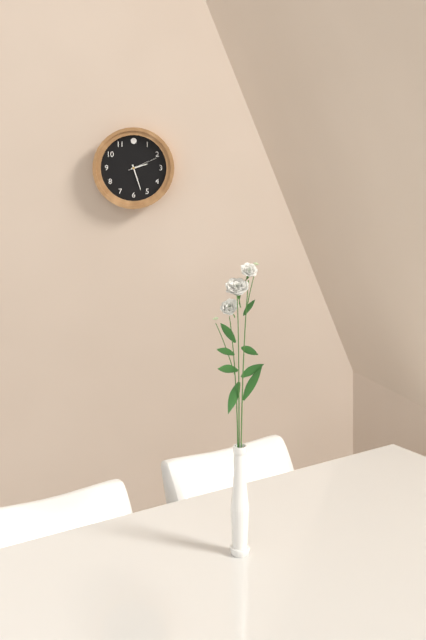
2:27
